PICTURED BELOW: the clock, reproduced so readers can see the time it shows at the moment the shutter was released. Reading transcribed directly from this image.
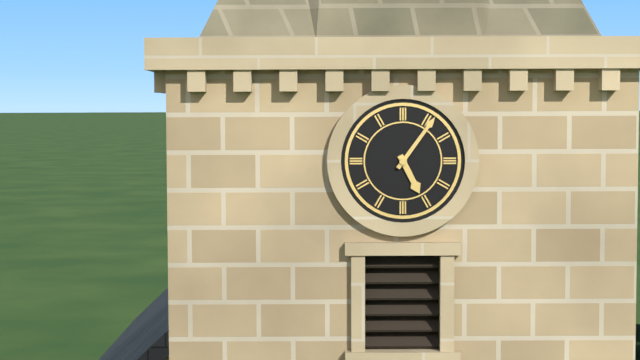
5:06
